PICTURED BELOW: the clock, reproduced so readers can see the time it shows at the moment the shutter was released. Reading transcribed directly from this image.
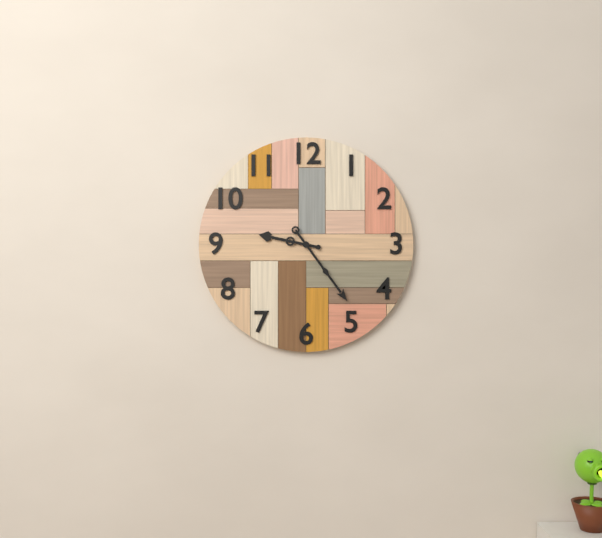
9:24
